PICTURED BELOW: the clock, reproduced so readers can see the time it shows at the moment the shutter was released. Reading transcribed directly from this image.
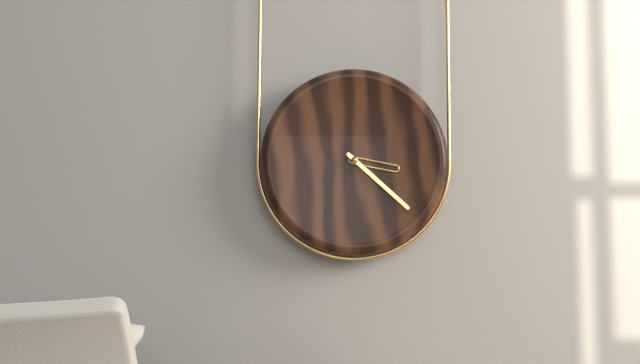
3:22
